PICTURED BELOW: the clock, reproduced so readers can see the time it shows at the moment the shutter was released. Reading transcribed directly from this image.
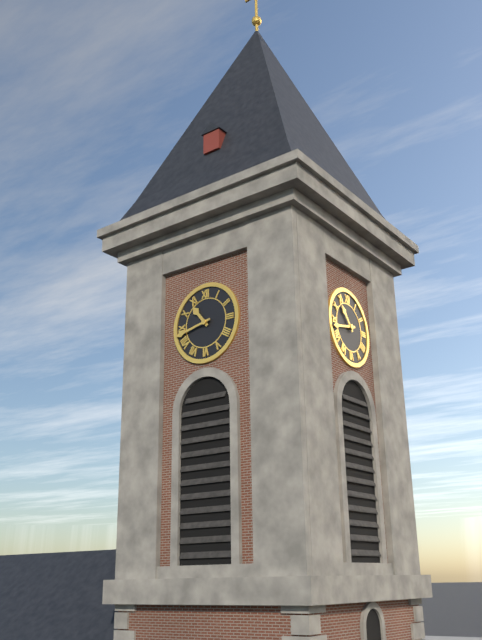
10:43
